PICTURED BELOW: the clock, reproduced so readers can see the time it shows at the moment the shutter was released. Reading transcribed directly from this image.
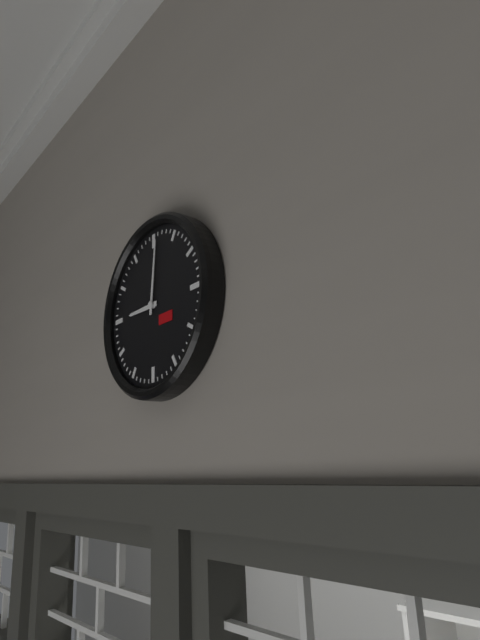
9:01
